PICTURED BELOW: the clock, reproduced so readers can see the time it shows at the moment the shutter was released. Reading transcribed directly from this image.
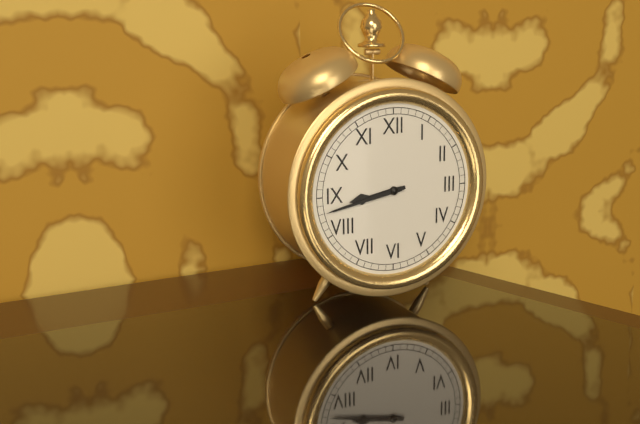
8:43
